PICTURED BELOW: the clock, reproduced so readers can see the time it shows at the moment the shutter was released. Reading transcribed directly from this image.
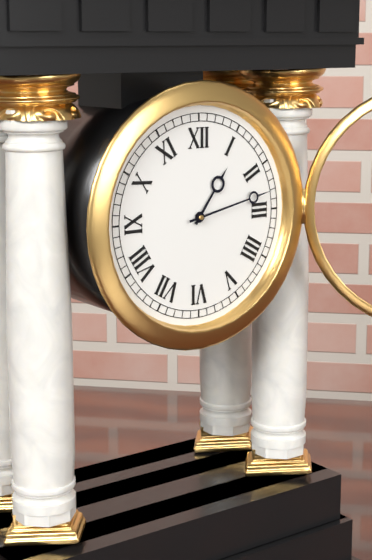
1:13
